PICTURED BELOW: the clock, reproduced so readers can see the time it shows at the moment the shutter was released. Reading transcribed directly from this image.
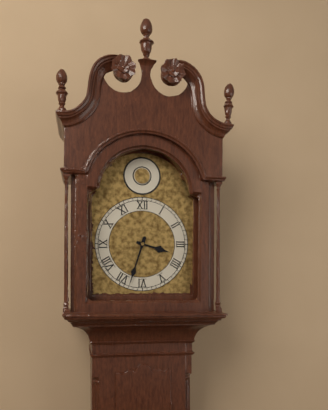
3:33
